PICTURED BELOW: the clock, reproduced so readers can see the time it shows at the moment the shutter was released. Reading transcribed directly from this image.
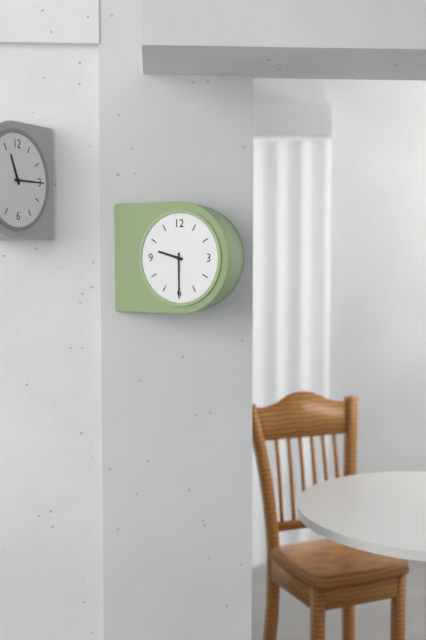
9:30
